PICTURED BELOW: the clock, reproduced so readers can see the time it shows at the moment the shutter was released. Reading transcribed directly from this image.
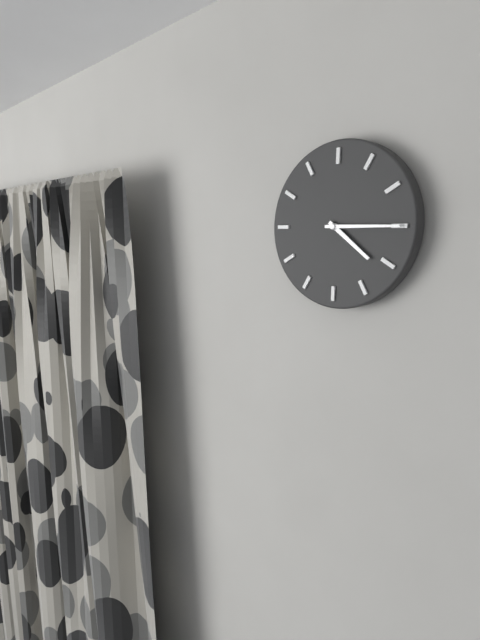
4:15
